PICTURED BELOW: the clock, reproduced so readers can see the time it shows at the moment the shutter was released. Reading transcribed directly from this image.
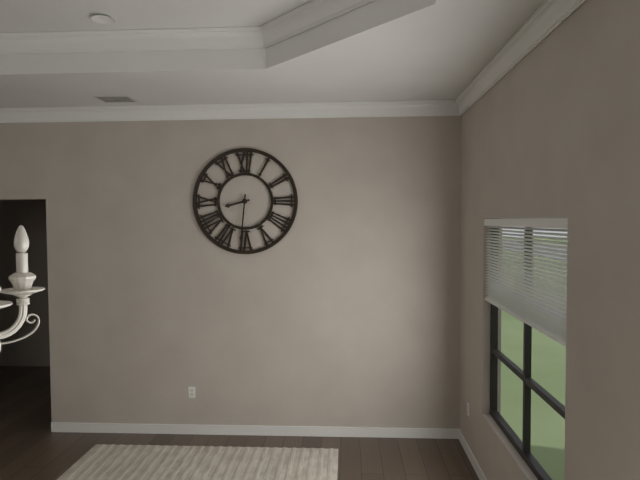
8:31
